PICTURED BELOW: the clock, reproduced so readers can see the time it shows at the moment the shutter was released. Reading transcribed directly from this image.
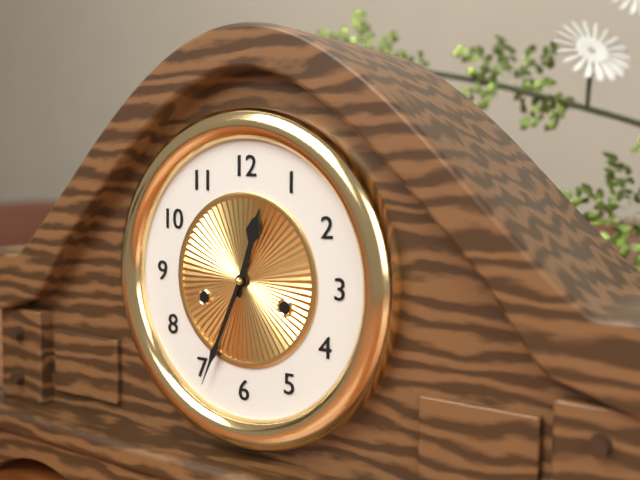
12:34
